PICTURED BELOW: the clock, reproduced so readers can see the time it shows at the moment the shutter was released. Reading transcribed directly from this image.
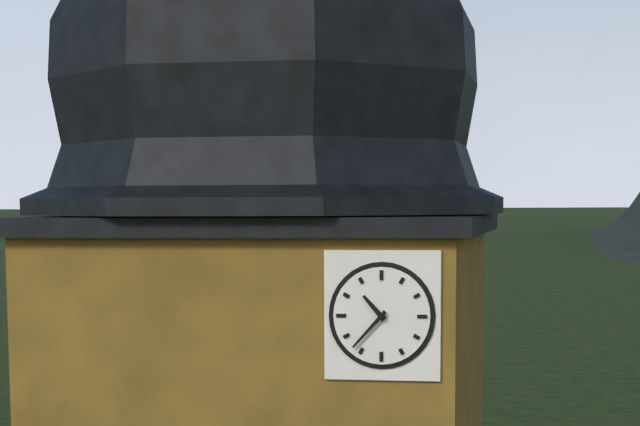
10:37
